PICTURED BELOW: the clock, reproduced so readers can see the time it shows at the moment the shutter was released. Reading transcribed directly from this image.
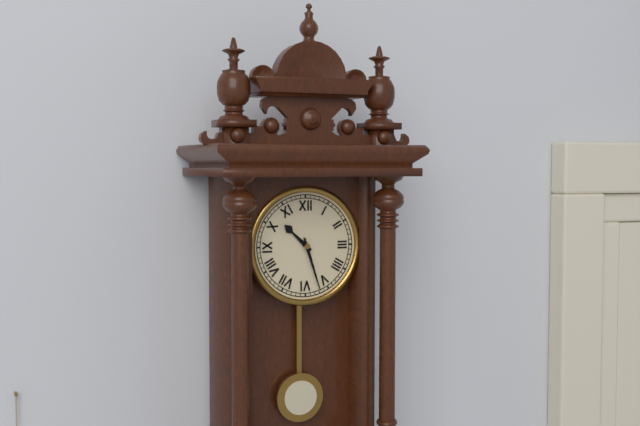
10:27
